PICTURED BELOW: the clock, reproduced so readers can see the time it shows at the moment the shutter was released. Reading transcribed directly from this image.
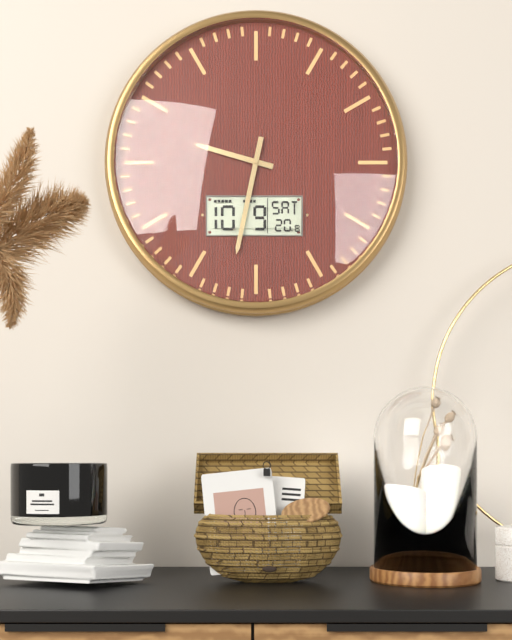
9:32
